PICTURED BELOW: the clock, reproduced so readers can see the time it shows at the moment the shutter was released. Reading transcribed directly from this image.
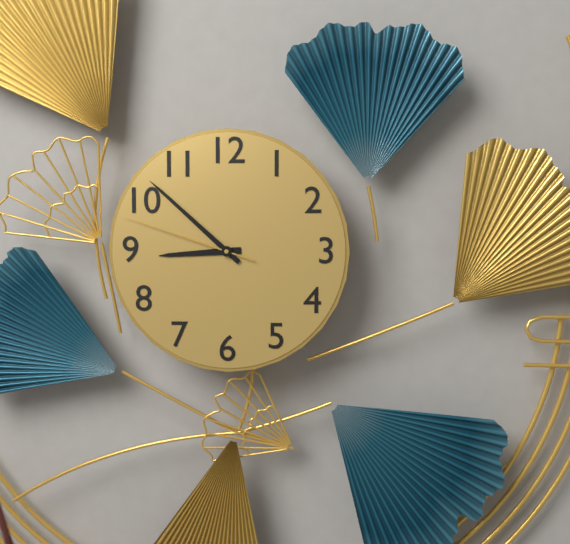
8:52:48
